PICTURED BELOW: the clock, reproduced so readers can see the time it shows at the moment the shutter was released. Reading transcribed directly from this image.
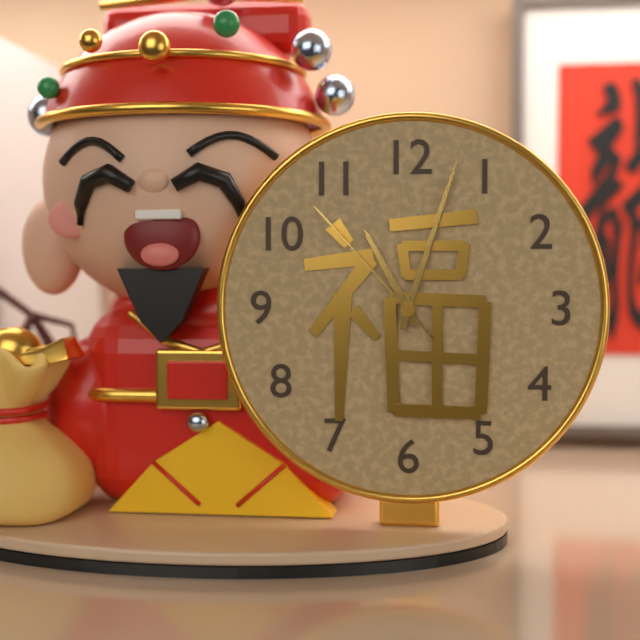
11:03:53
